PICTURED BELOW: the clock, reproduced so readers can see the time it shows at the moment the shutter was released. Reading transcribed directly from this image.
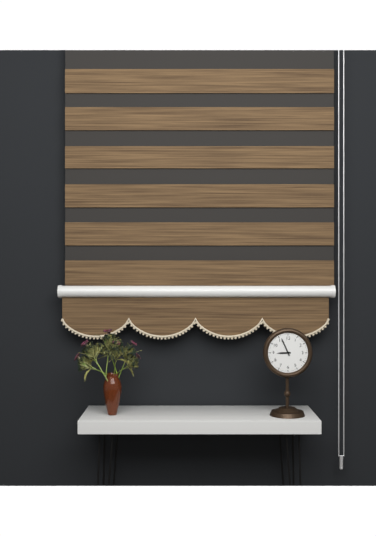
8:56
